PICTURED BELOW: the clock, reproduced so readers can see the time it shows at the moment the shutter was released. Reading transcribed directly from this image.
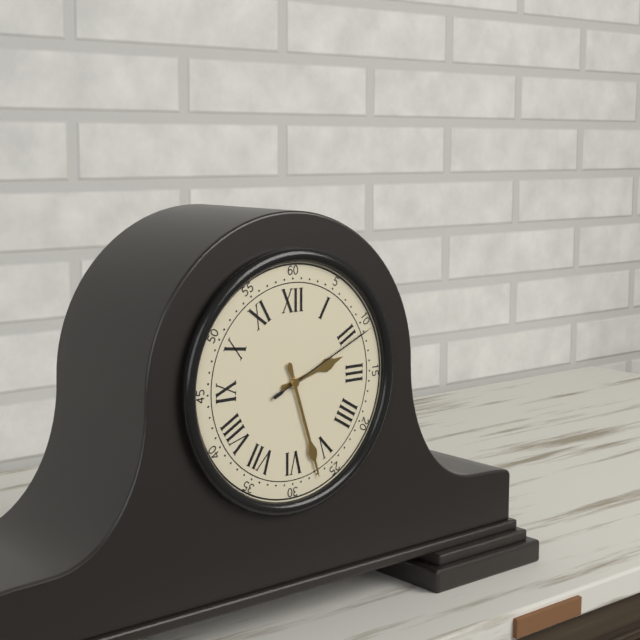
2:27:11
